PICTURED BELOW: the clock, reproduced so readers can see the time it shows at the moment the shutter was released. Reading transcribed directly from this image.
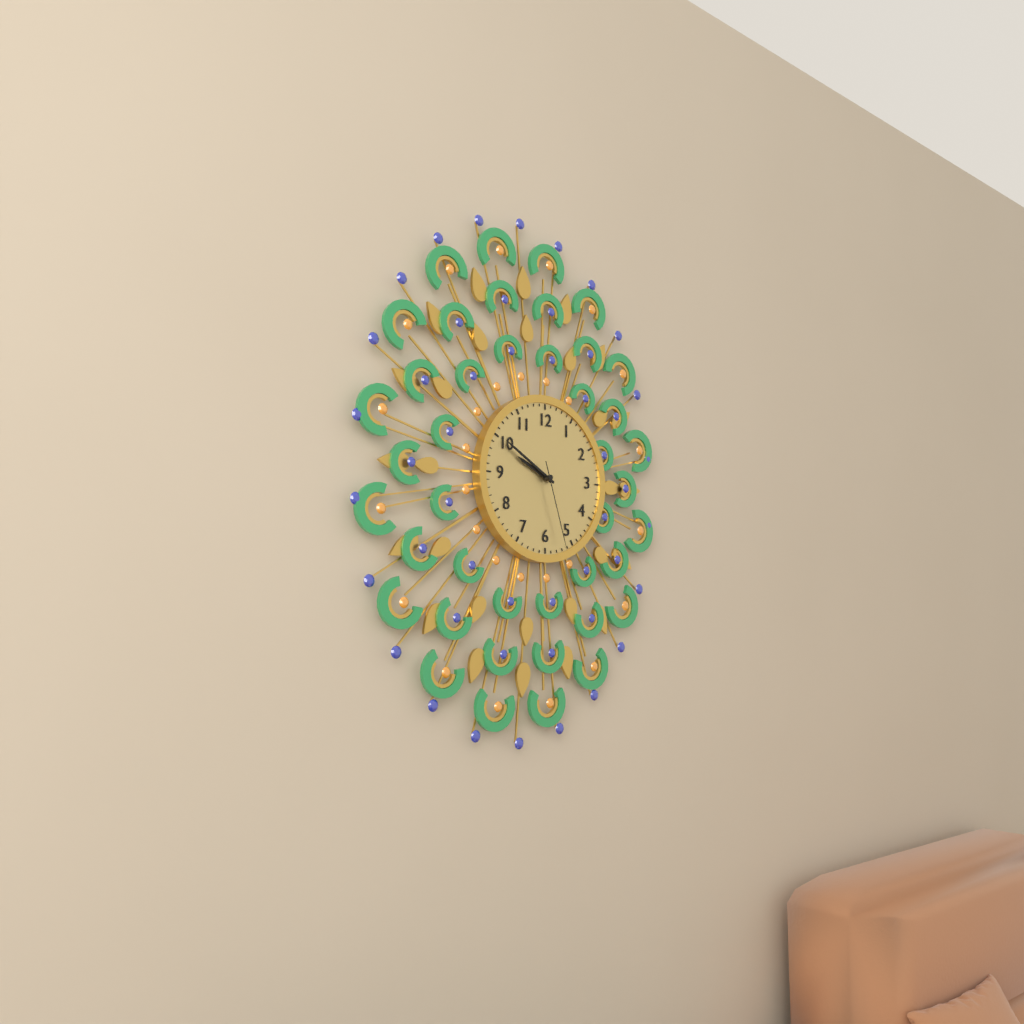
9:50:27
